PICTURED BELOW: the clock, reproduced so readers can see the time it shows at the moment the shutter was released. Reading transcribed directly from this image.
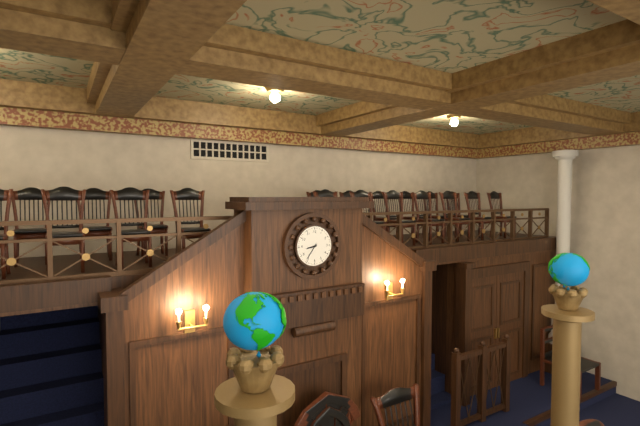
8:36
